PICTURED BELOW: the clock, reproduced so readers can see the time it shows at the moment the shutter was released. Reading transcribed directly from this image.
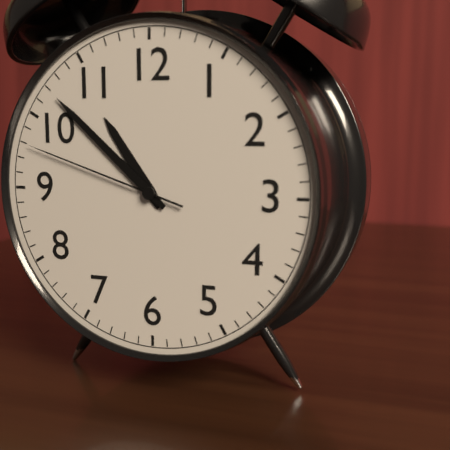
10:52:48
